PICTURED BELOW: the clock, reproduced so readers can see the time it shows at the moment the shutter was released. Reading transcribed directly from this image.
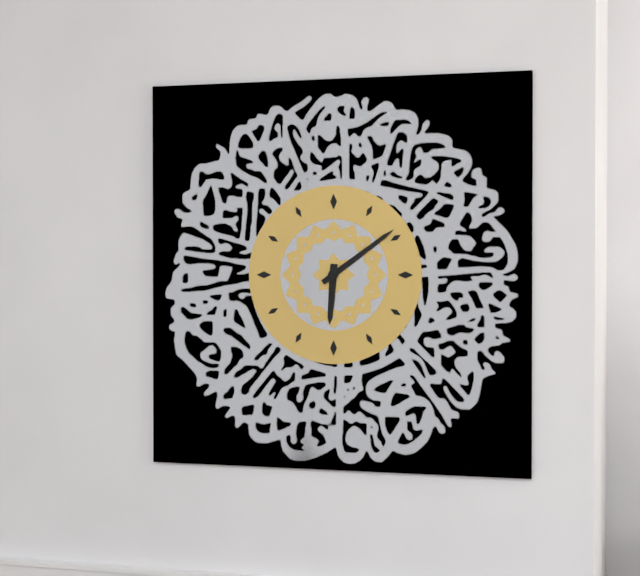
6:09
